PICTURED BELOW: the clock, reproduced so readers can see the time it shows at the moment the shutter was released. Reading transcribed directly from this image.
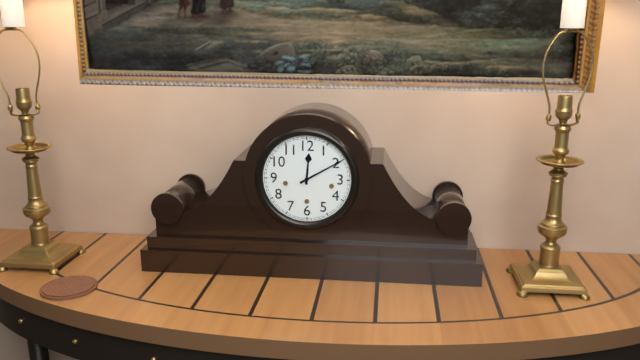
12:10
